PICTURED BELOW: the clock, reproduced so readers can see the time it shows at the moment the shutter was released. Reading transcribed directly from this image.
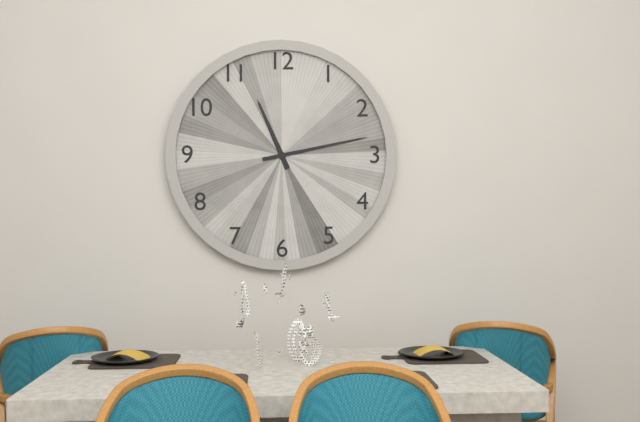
11:13
